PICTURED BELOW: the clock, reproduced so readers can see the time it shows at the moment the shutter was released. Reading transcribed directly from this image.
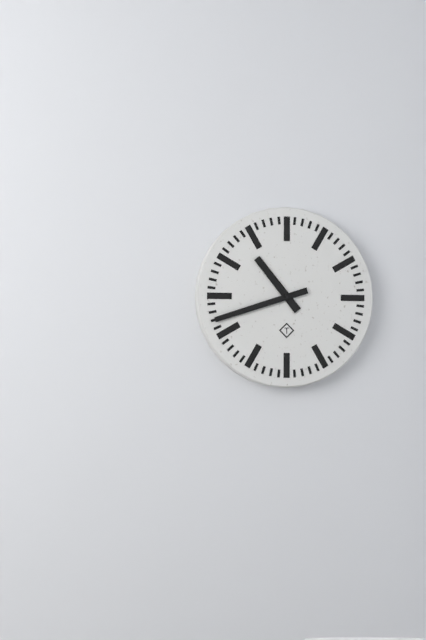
10:42
